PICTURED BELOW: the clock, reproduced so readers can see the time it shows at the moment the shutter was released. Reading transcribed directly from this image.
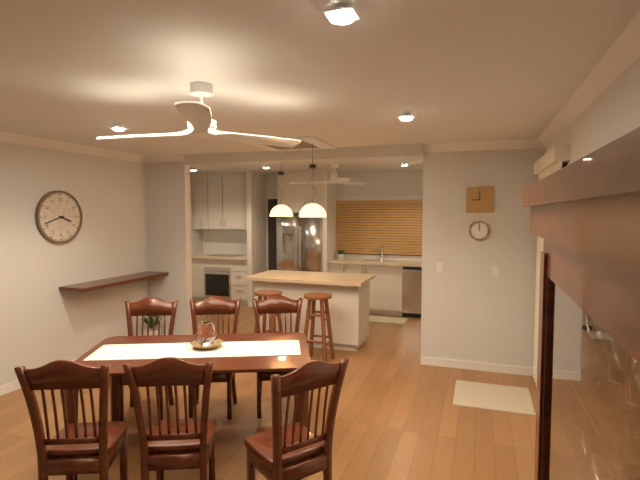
3:42
